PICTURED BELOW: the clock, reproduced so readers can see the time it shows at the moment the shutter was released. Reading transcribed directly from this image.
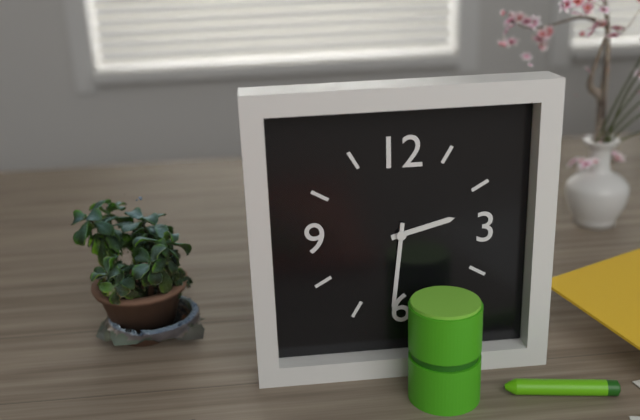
2:31
